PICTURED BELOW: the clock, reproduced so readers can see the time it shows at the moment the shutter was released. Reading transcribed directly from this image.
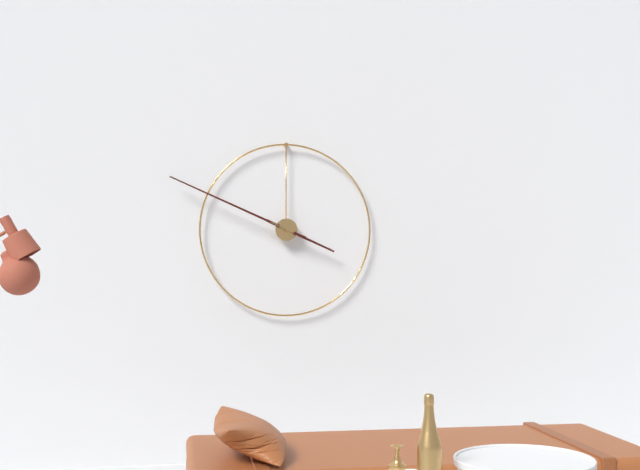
3:49
